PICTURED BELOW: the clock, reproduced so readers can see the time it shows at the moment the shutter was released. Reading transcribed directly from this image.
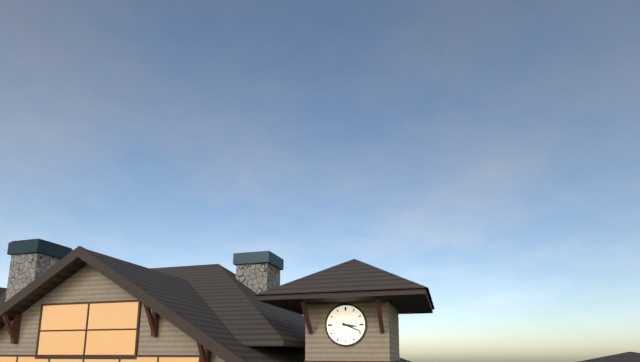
3:19
